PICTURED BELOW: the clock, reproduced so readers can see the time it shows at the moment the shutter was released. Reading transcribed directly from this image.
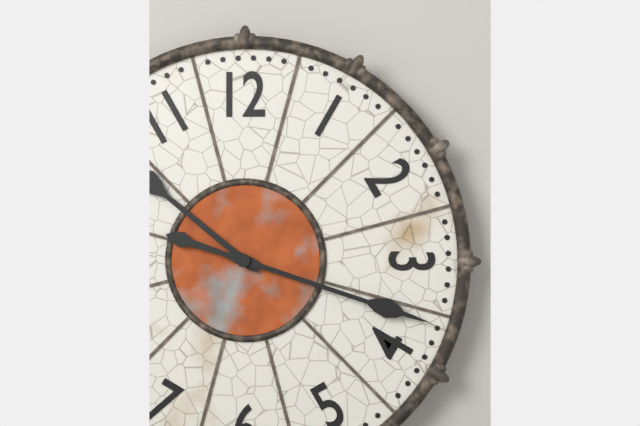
10:18
